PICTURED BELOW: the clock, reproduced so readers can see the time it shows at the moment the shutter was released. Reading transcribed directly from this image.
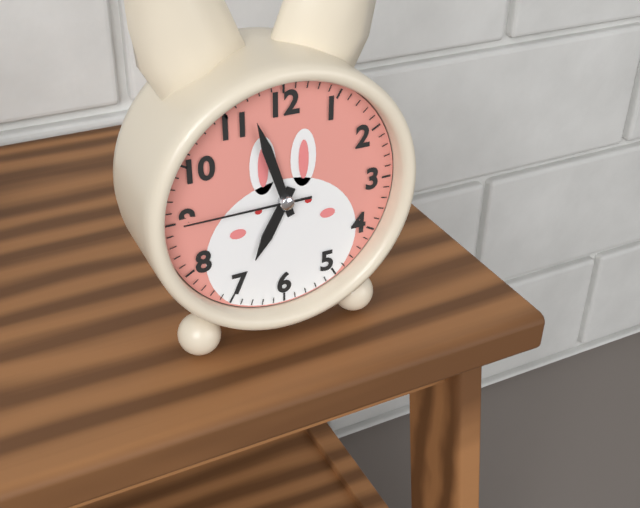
6:57:45
